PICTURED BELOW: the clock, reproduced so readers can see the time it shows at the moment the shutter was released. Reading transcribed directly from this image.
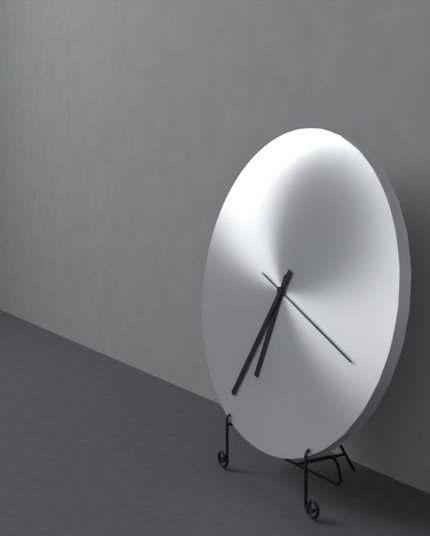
6:35:19
